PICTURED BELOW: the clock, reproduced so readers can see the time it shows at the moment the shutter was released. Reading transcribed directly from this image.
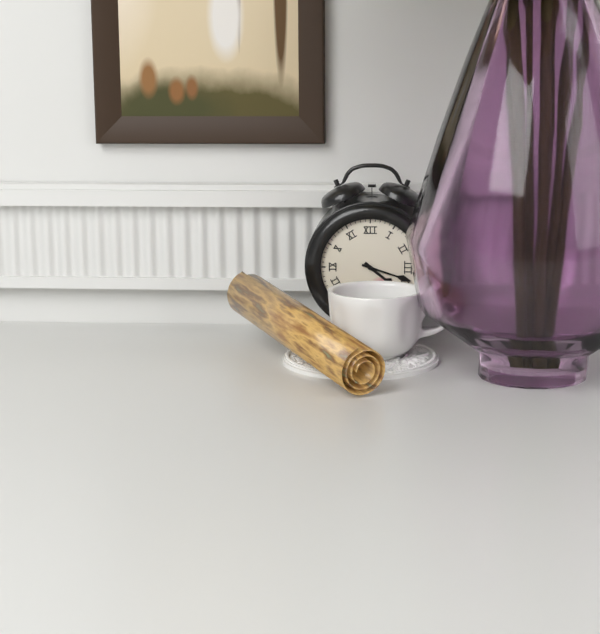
4:18
